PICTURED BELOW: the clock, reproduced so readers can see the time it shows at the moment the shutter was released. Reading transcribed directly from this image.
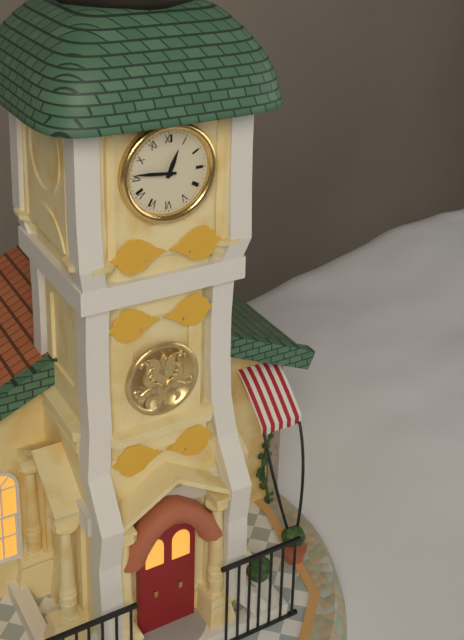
12:46
